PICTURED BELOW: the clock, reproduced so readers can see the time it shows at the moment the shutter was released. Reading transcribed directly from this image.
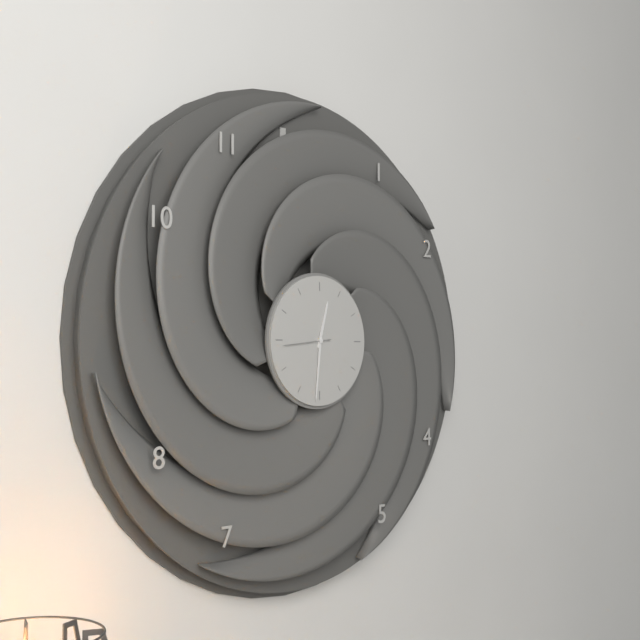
12:31
